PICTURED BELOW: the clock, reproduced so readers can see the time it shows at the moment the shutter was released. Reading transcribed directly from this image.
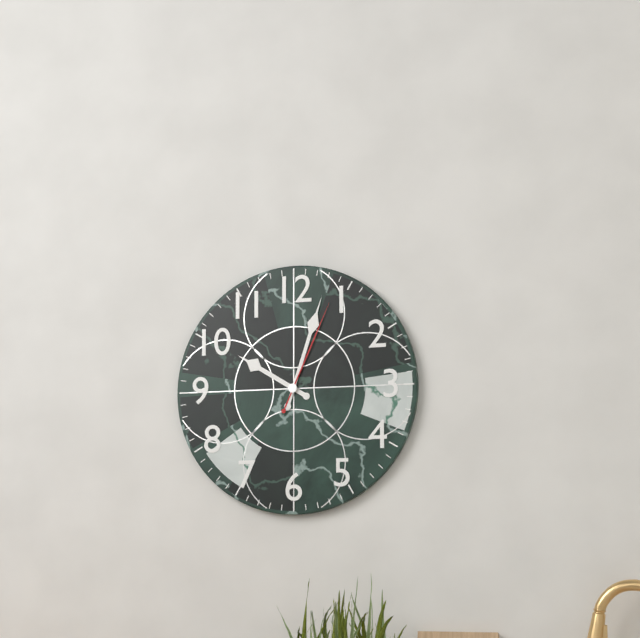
10:03:04
